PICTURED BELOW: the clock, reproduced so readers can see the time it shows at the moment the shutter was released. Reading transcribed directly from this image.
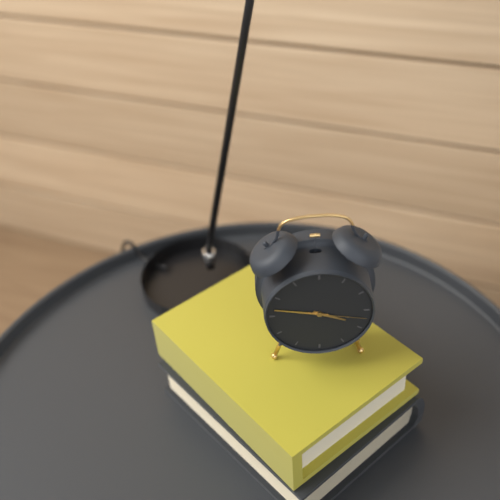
3:47:17
